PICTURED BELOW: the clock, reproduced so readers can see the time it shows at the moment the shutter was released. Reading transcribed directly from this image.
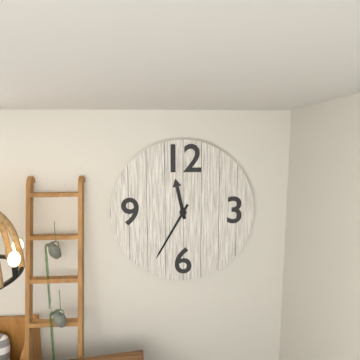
11:35
